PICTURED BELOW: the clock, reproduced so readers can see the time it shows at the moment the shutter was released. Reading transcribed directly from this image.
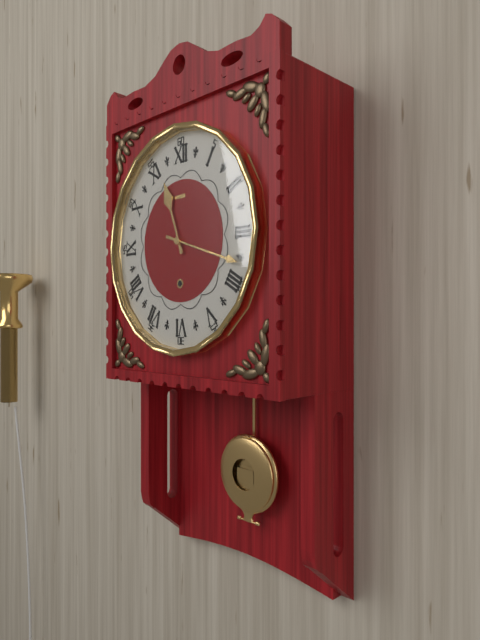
11:18
